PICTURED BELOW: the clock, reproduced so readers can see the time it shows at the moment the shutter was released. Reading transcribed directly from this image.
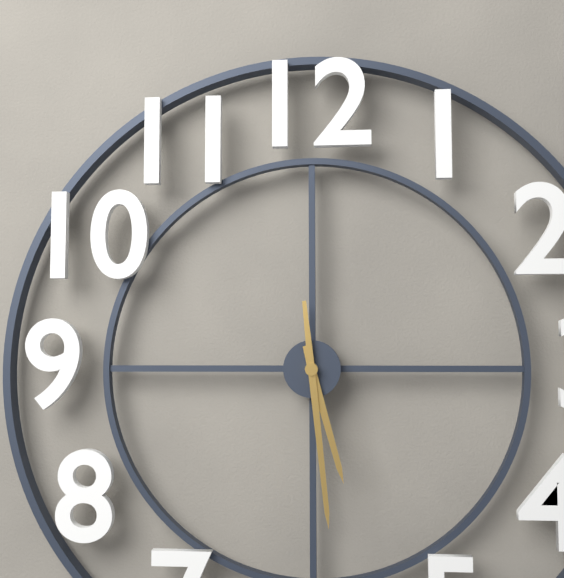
5:29
